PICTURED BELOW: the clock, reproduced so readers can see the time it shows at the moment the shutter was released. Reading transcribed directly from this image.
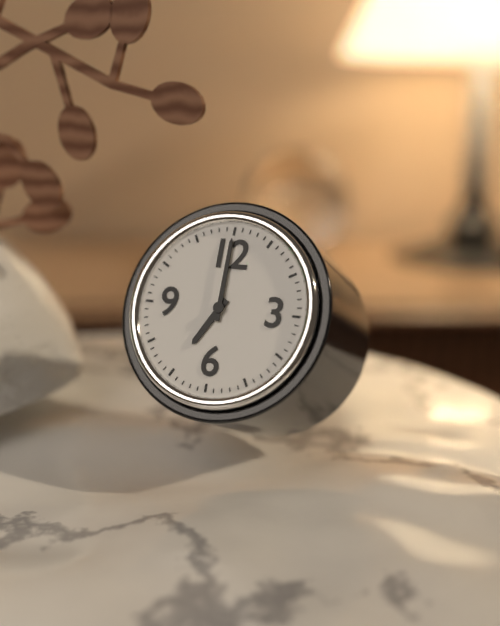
7:00
